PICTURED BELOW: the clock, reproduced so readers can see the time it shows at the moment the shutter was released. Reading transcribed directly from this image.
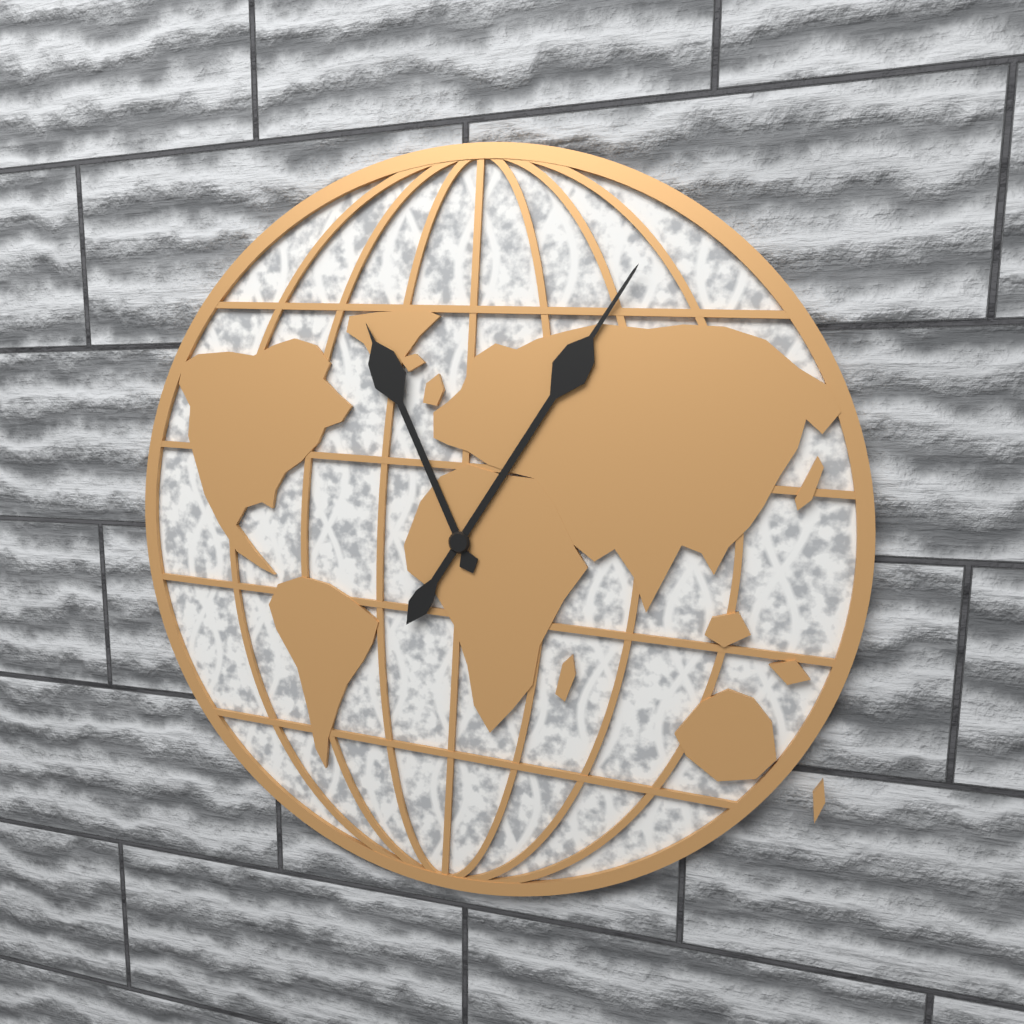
11:05
